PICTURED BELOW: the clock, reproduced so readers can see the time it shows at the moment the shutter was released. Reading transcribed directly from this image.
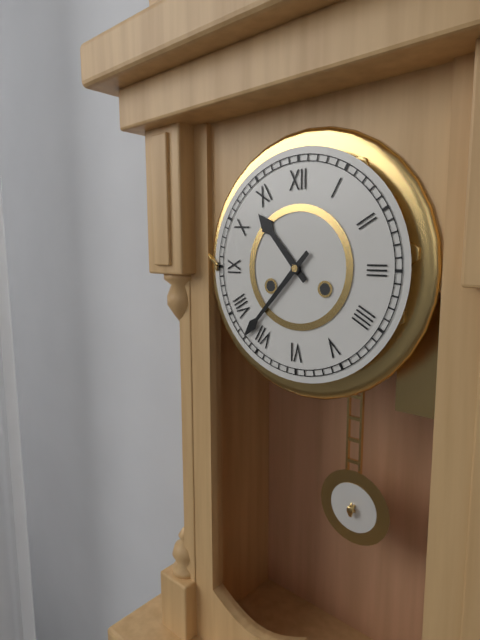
10:37
